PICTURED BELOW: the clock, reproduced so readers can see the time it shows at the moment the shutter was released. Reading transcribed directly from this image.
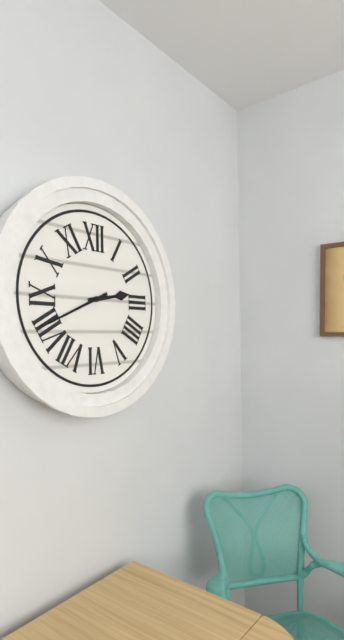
2:41
